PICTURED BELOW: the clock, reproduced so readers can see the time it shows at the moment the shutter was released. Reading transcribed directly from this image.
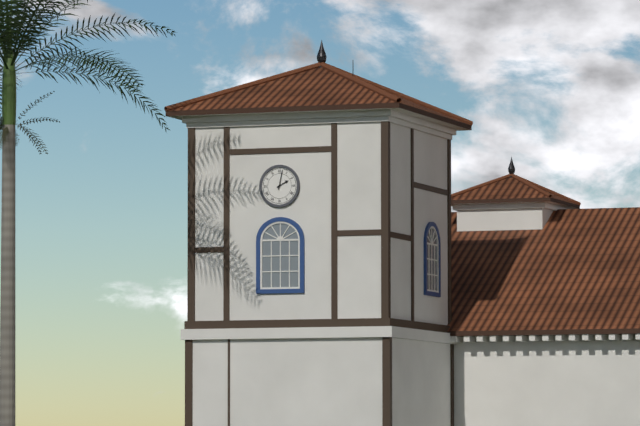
2:02
